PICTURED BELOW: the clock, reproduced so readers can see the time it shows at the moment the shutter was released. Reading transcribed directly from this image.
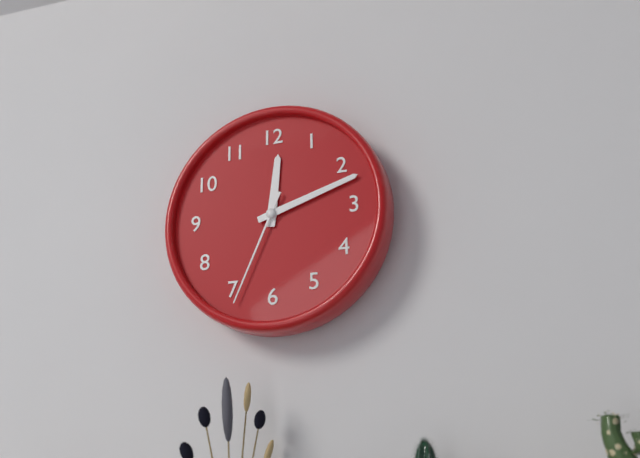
12:12:34
